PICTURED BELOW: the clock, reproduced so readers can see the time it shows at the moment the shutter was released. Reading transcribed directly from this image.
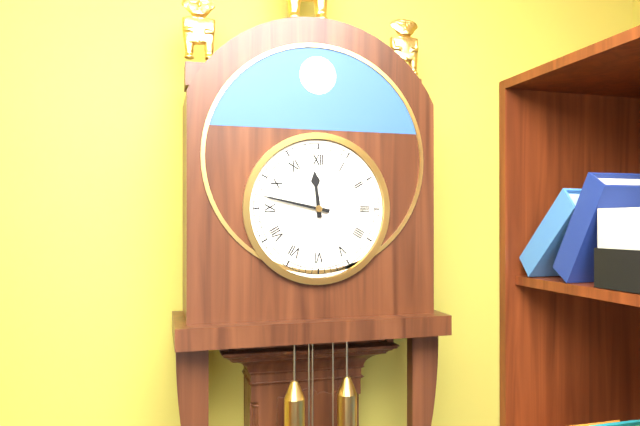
11:47
